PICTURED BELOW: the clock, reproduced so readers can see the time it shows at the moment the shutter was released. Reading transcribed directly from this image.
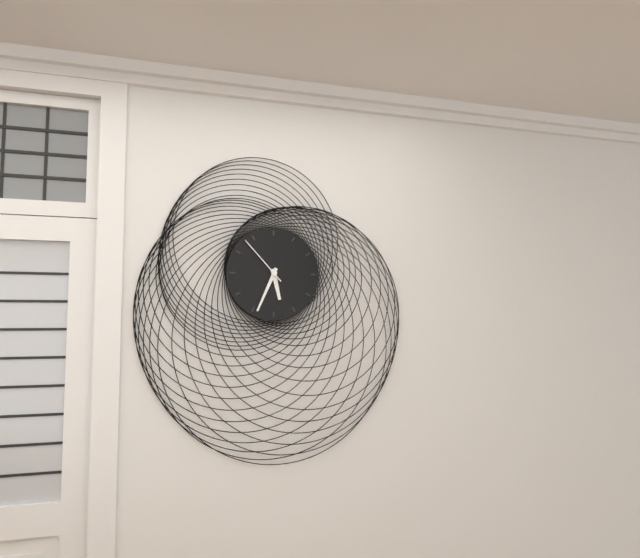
5:34:53
